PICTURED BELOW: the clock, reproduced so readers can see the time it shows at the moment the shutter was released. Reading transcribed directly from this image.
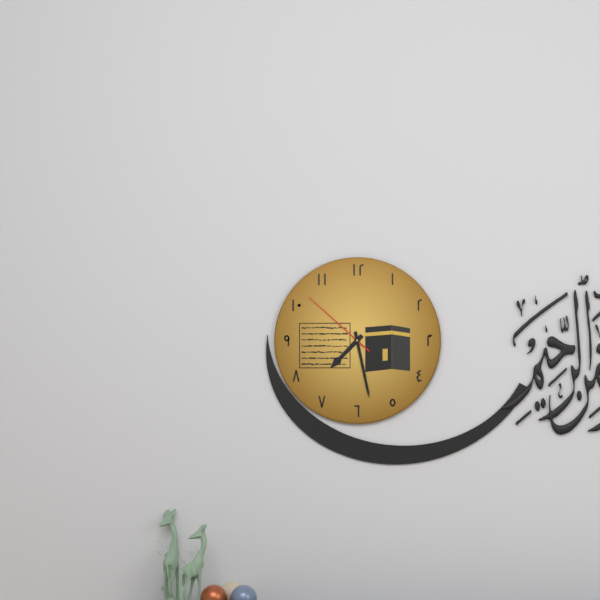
7:28:52
